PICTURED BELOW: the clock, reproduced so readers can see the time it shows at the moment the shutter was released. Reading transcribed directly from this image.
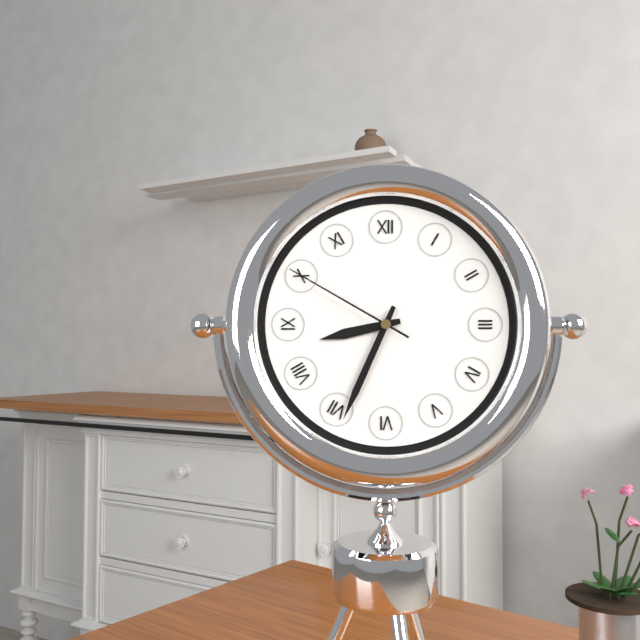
8:34:50
